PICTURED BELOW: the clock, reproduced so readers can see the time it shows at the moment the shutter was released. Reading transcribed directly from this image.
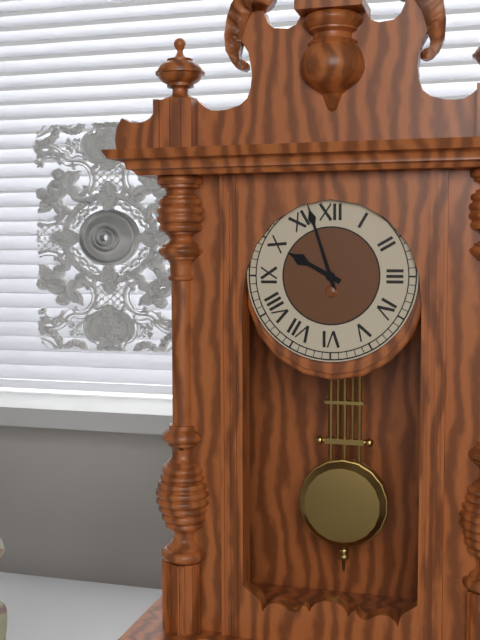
9:57
